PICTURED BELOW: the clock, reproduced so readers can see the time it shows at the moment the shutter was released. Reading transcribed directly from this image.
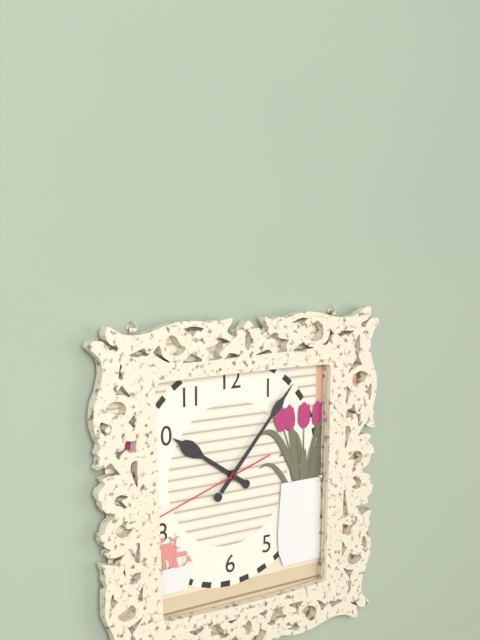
10:07:42
